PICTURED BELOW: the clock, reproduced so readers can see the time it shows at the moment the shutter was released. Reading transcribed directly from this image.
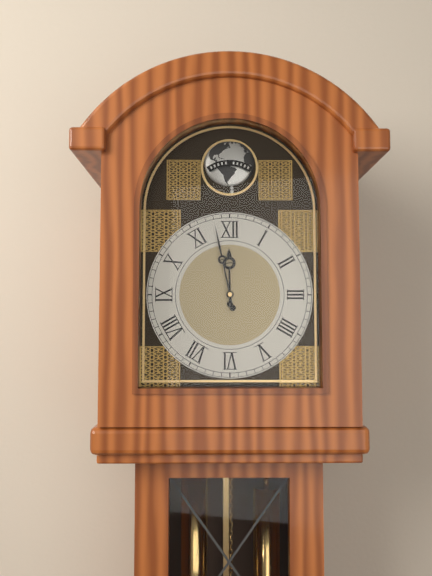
11:58
